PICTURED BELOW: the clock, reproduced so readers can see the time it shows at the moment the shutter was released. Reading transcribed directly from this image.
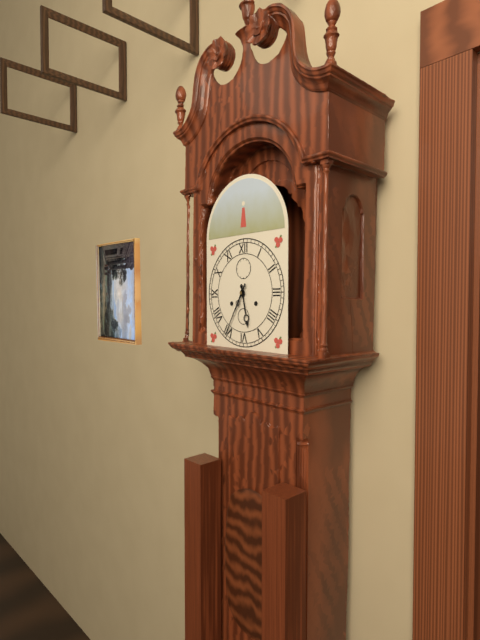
5:35
